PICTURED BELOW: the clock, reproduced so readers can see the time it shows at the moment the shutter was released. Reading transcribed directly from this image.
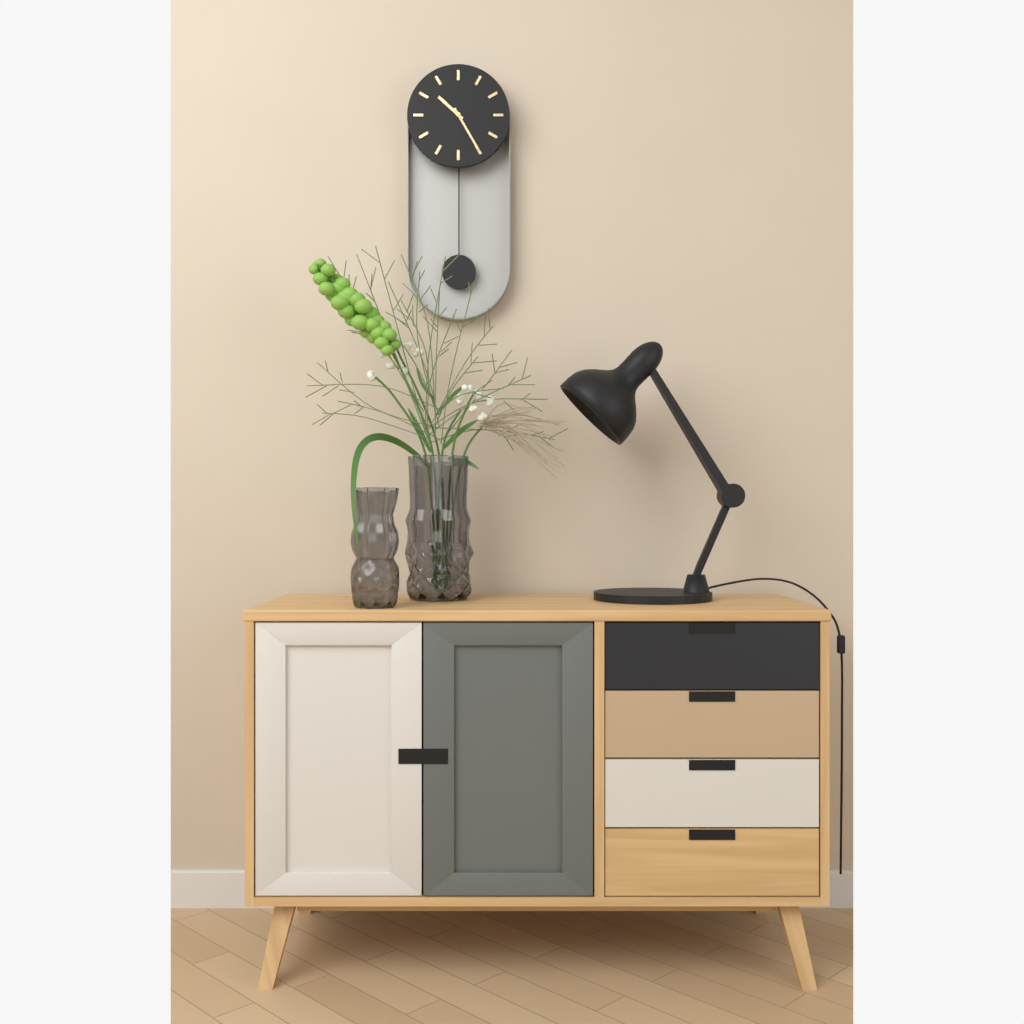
10:25
